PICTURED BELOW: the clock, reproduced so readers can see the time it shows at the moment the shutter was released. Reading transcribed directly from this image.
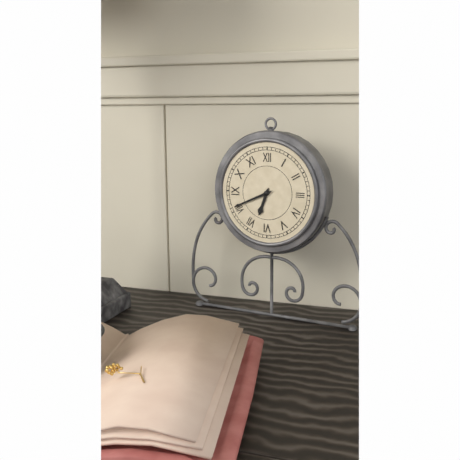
6:41
